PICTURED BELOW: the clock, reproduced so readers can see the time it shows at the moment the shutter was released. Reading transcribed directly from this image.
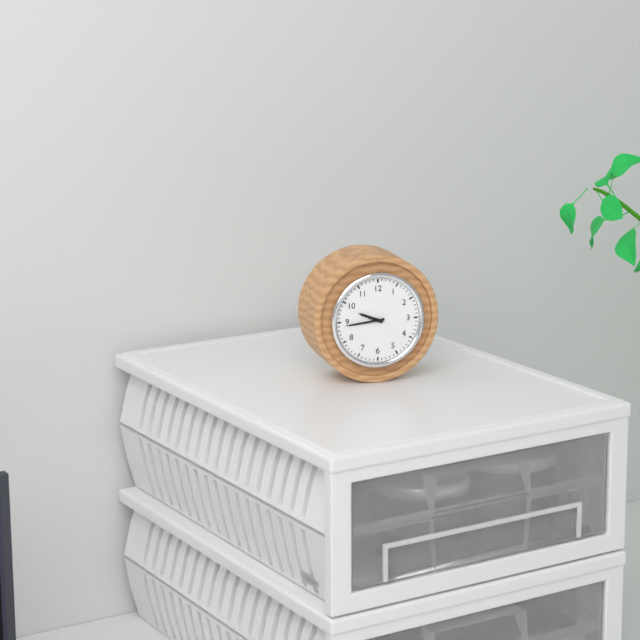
9:44
